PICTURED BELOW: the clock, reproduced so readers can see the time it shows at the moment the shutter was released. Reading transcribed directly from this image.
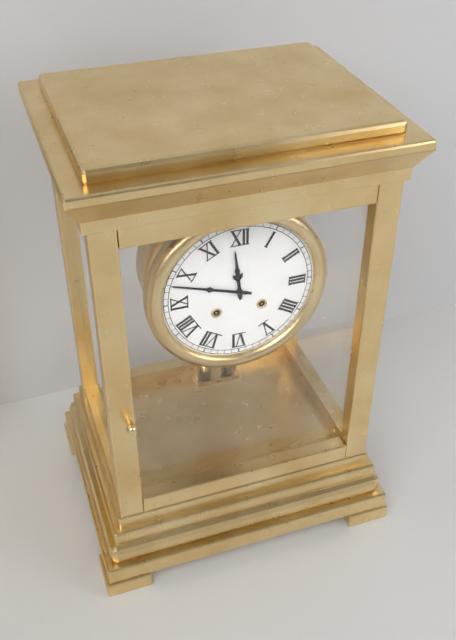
11:48
